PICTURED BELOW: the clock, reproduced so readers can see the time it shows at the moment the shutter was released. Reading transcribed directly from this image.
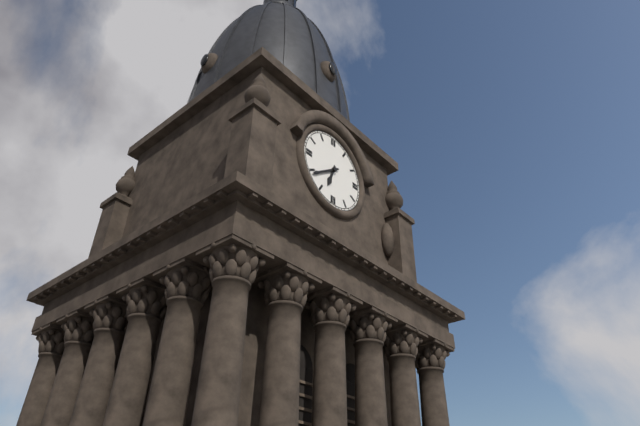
6:39
